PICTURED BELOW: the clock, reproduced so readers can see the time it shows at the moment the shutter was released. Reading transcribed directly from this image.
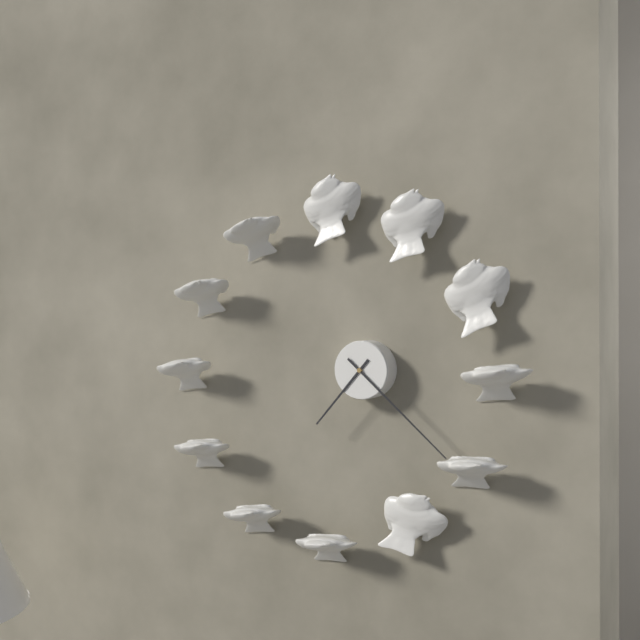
7:22
